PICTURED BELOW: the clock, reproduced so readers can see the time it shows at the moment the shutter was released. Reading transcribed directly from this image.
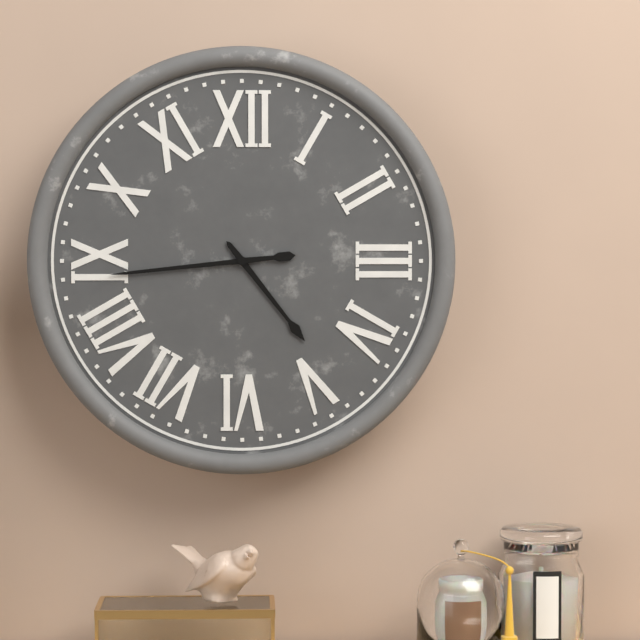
4:44
